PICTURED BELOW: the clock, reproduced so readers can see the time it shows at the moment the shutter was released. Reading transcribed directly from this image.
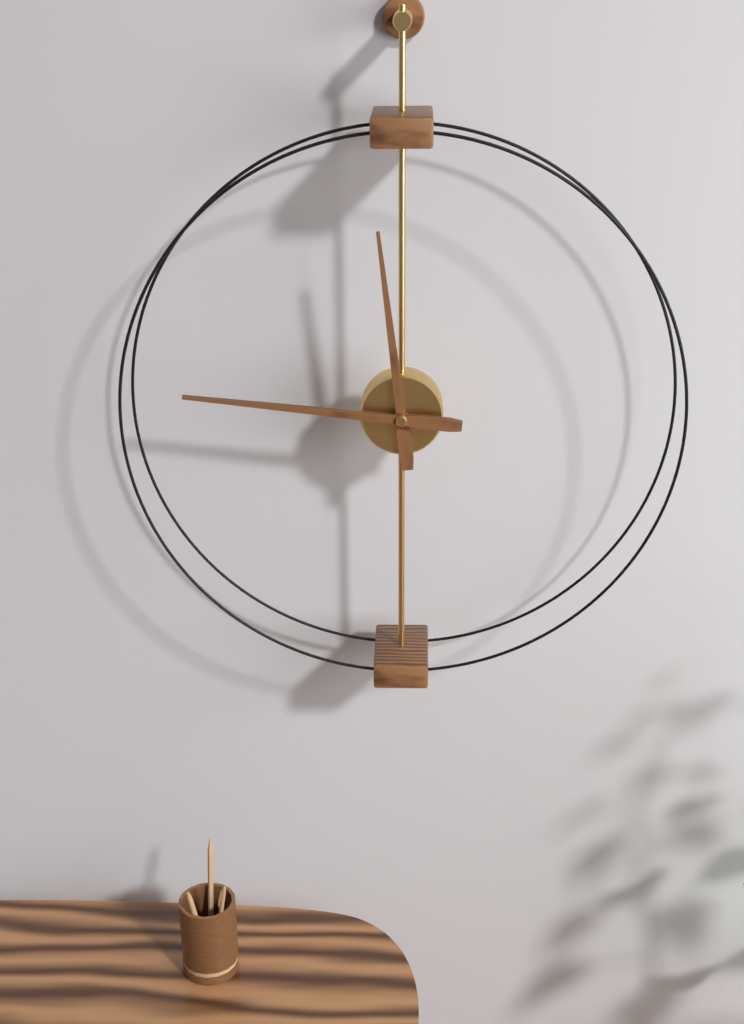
11:46
